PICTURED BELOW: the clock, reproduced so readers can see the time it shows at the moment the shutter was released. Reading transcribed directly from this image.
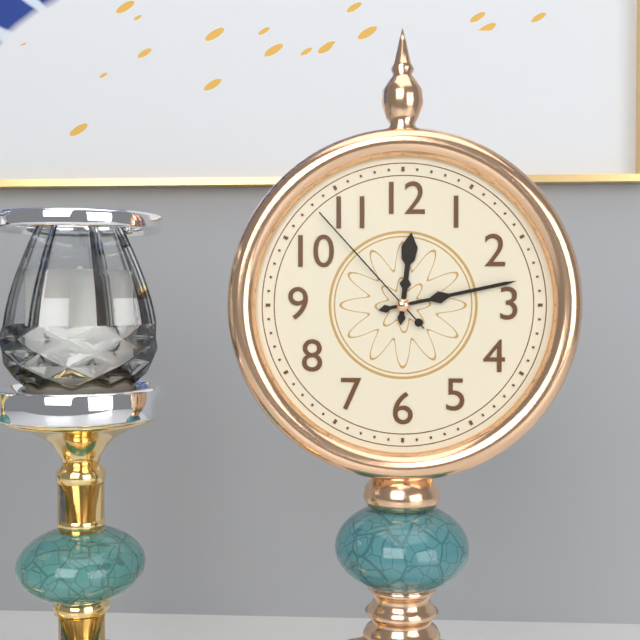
12:13:53
